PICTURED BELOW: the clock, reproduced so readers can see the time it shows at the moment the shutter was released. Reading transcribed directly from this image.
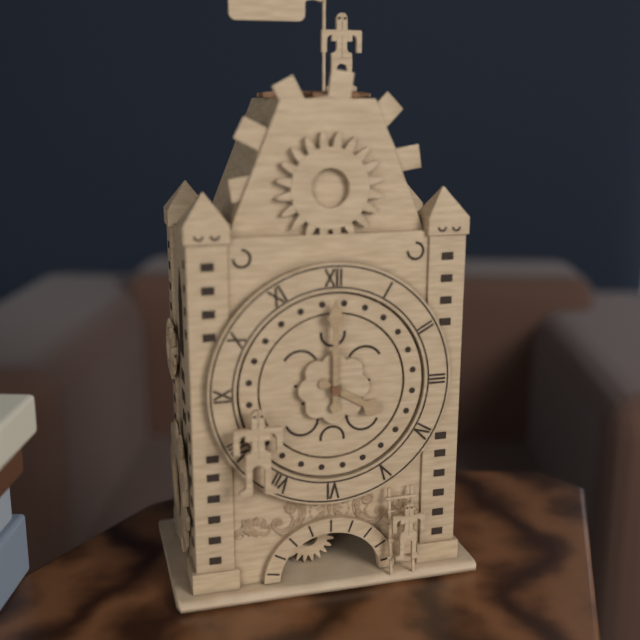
4:00
